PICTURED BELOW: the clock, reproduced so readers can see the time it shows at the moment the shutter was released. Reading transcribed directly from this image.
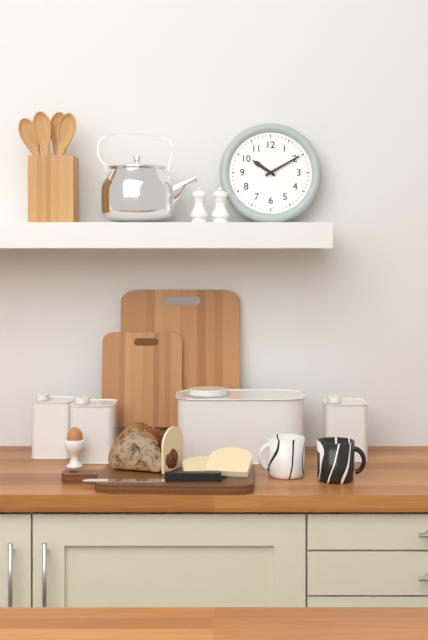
10:10
